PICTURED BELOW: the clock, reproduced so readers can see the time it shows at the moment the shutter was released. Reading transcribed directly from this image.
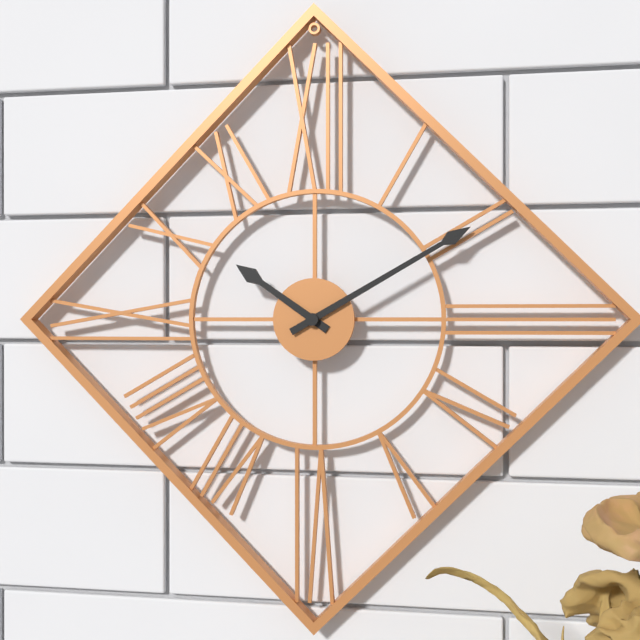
10:10
